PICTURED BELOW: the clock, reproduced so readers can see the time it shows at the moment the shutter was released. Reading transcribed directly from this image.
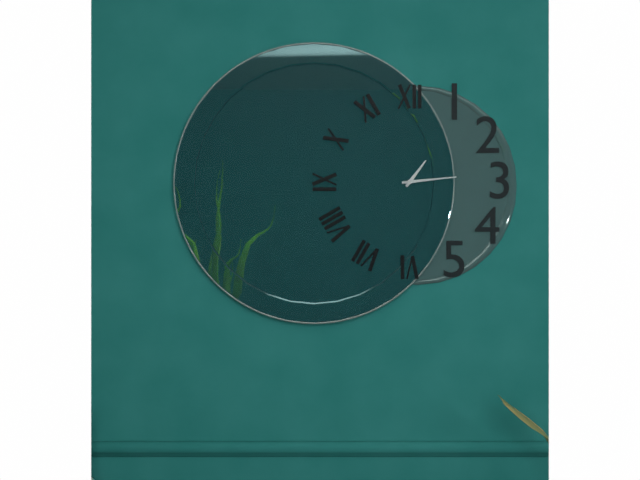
1:14
